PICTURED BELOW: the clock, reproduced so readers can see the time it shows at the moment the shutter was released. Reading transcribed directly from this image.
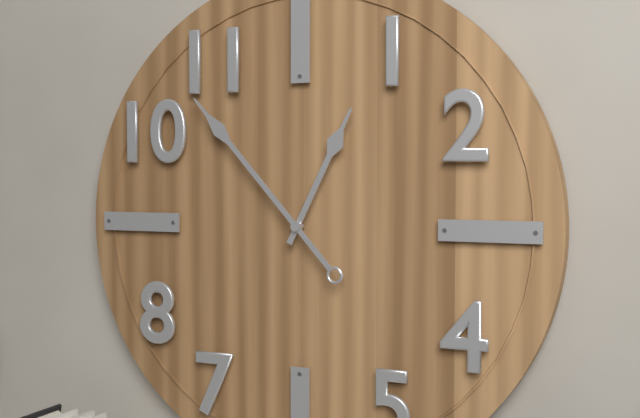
12:53
